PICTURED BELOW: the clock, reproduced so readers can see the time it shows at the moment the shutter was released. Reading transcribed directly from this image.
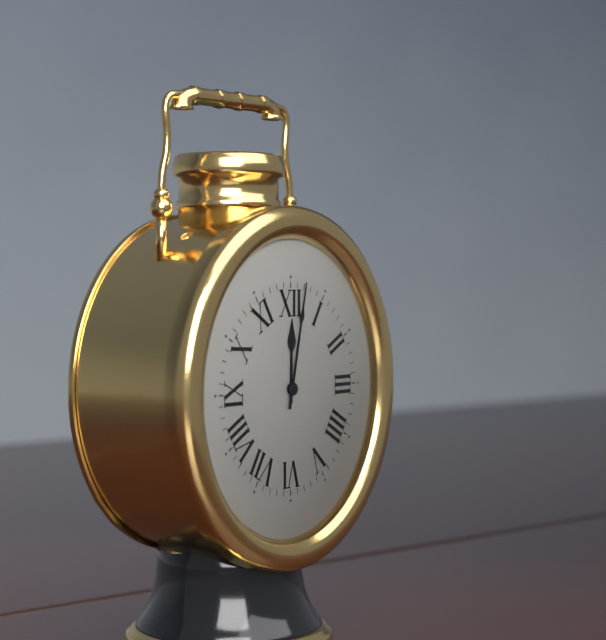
12:02
